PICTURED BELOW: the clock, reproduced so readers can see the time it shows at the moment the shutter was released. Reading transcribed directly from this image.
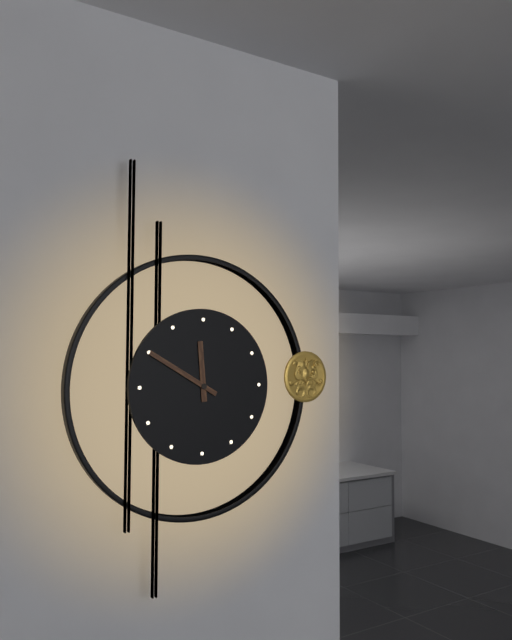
11:50
